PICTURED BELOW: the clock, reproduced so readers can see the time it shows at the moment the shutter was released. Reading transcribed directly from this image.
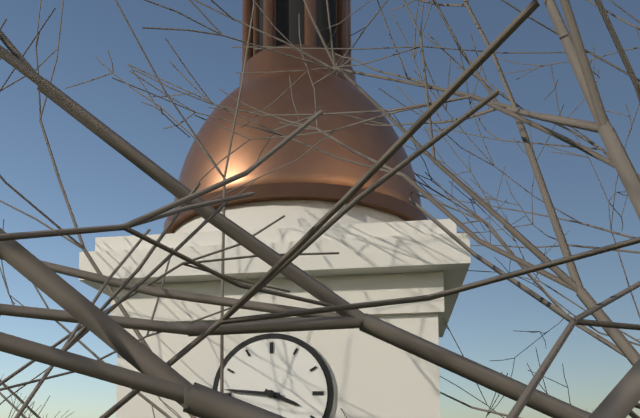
3:46
